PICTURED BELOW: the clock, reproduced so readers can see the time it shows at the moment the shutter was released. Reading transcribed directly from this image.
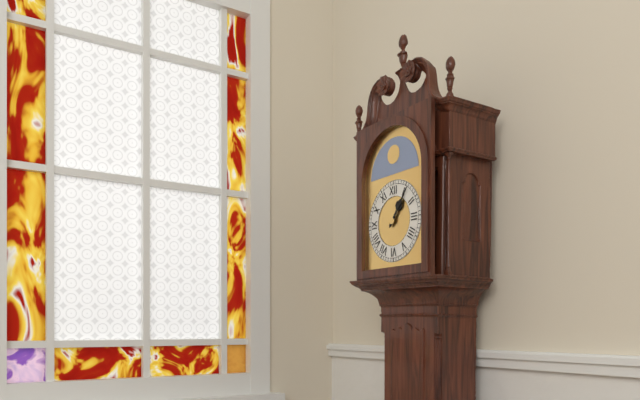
1:06
